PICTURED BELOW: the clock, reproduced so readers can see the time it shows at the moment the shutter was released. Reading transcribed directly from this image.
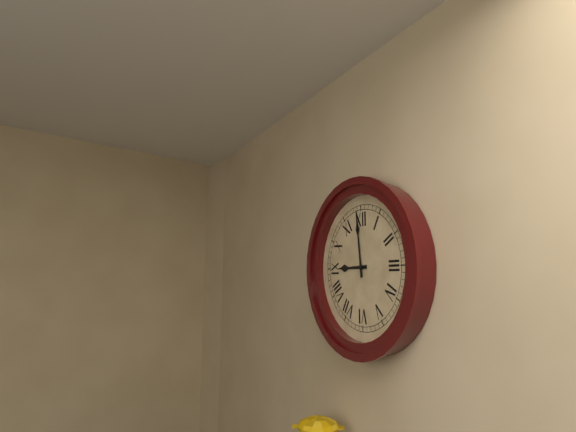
8:59
